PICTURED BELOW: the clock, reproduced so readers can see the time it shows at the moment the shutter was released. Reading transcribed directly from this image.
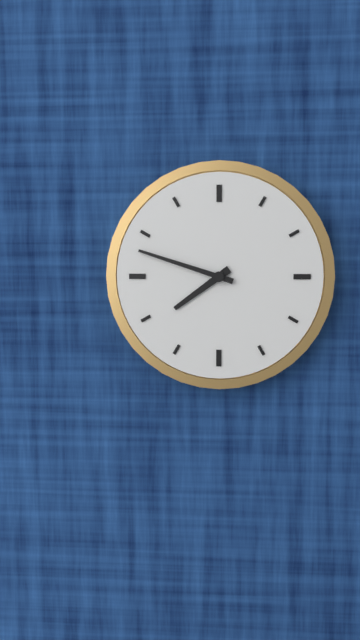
7:48
